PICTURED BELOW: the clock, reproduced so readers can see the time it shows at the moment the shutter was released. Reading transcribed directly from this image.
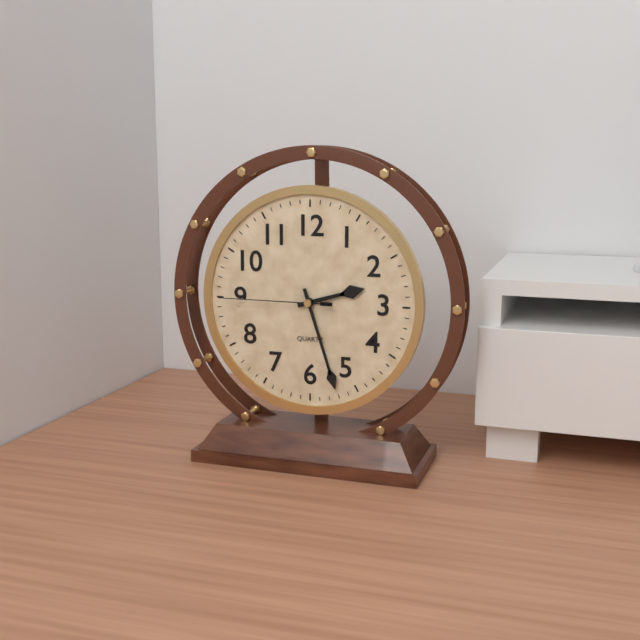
2:27:45
